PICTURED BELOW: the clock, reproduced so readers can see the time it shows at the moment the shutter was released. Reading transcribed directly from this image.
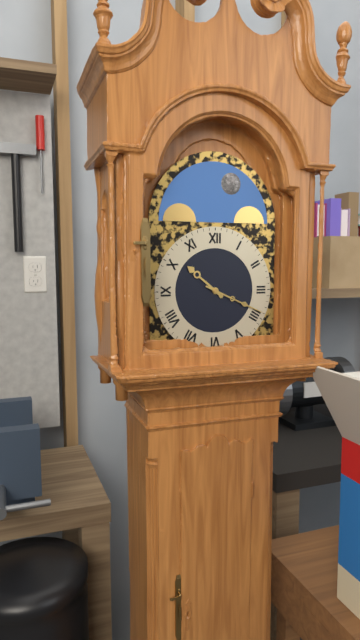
10:19
